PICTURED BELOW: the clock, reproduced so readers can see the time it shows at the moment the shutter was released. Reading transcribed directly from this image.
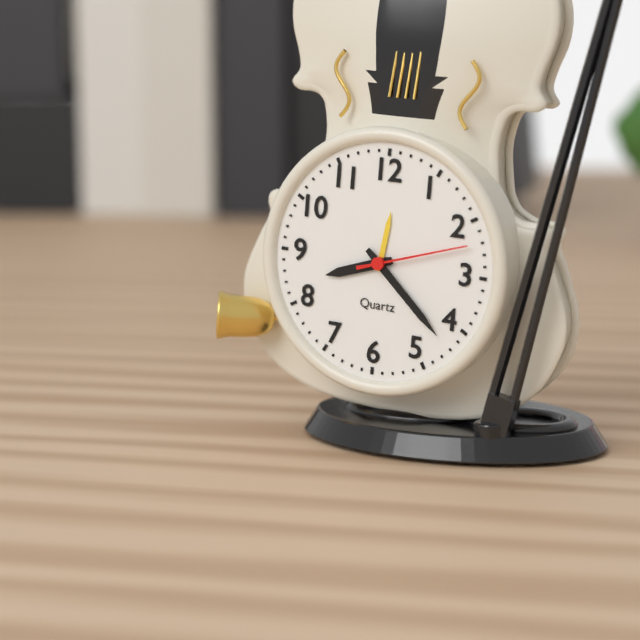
8:22:12
